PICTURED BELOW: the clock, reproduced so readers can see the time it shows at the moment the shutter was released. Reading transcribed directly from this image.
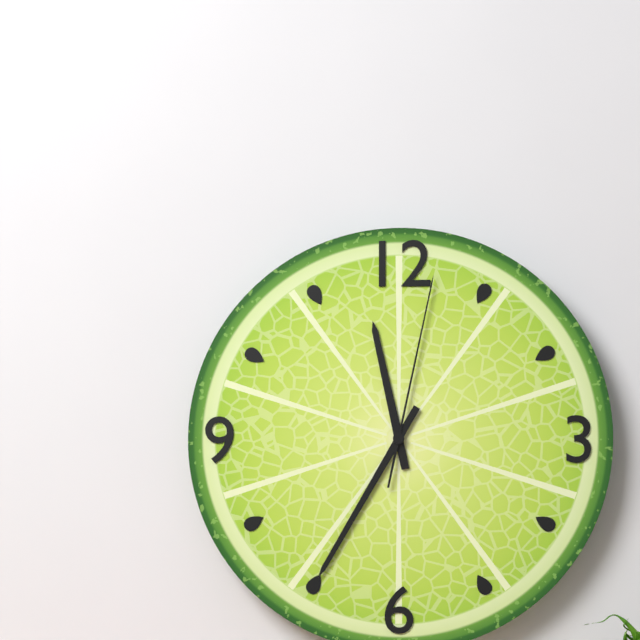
11:35:02
